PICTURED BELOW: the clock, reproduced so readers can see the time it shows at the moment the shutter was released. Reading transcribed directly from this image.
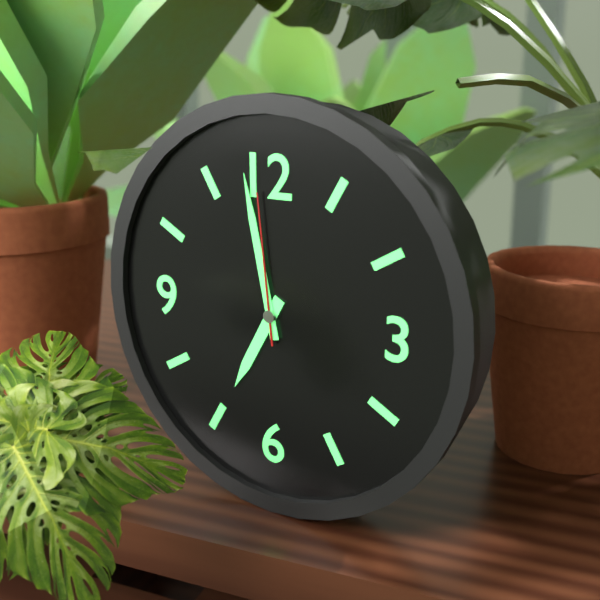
6:58:59
